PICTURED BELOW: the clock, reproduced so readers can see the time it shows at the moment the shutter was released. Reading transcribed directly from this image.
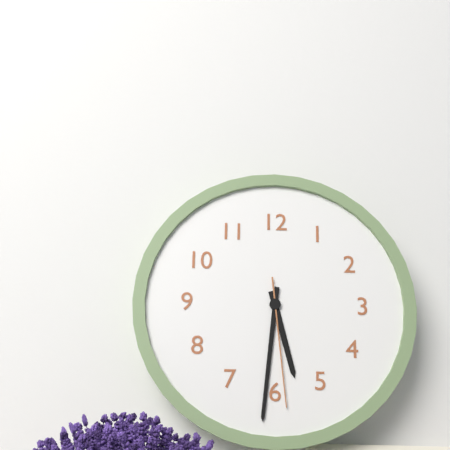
5:31:29
